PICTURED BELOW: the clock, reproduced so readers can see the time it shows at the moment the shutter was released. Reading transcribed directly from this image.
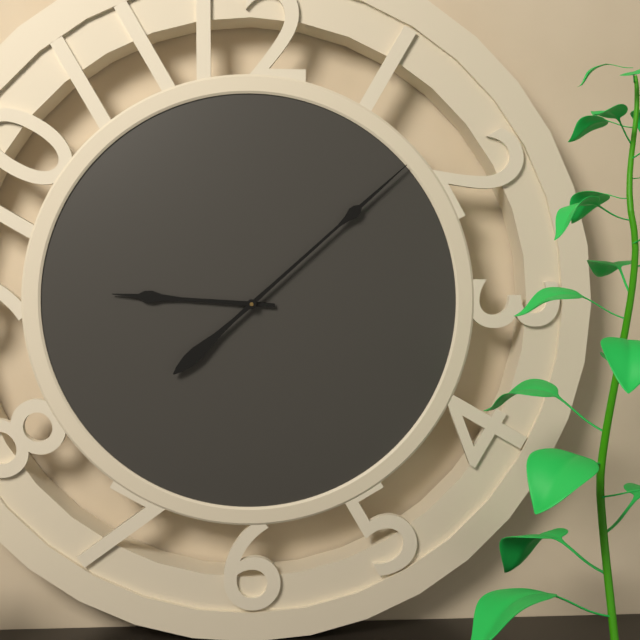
9:08
